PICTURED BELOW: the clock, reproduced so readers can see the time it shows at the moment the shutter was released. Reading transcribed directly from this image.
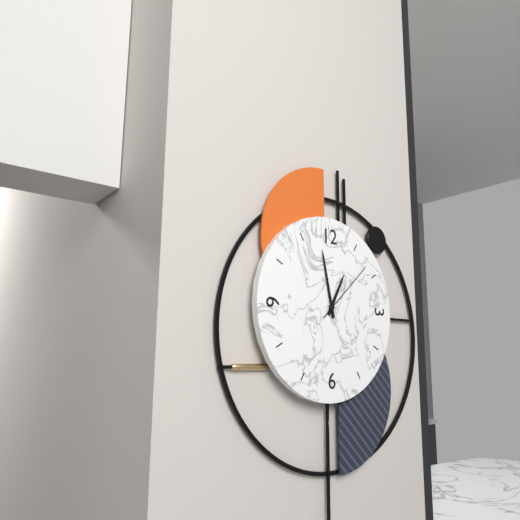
12:58:08
